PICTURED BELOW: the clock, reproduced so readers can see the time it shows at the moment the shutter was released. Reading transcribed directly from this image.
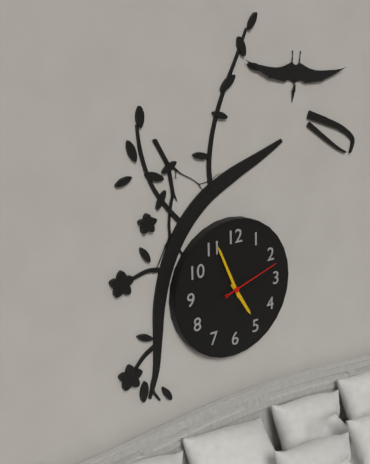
4:56:12
